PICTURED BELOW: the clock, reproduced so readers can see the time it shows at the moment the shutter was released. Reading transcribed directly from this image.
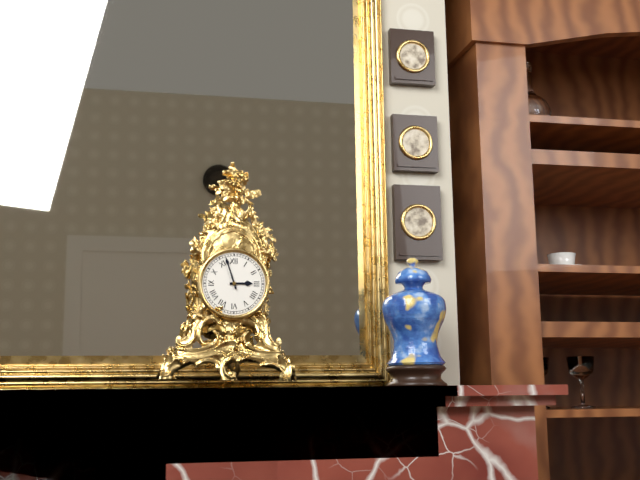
2:57
